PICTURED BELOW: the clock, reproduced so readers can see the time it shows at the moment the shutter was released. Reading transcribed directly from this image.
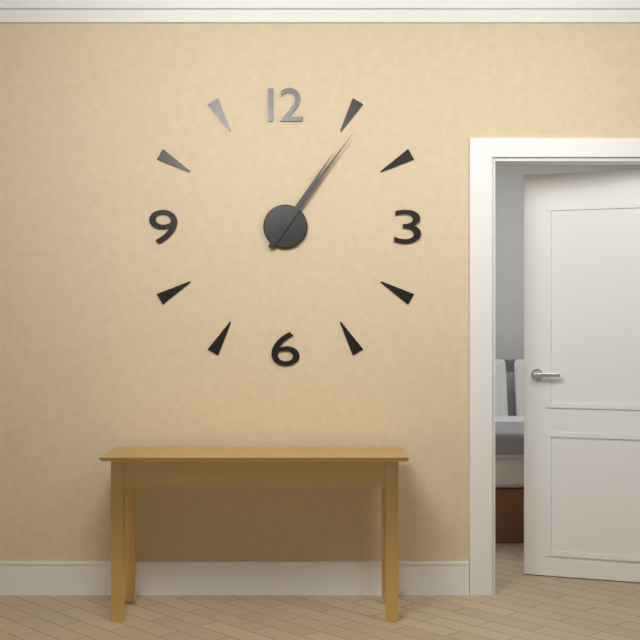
1:06
